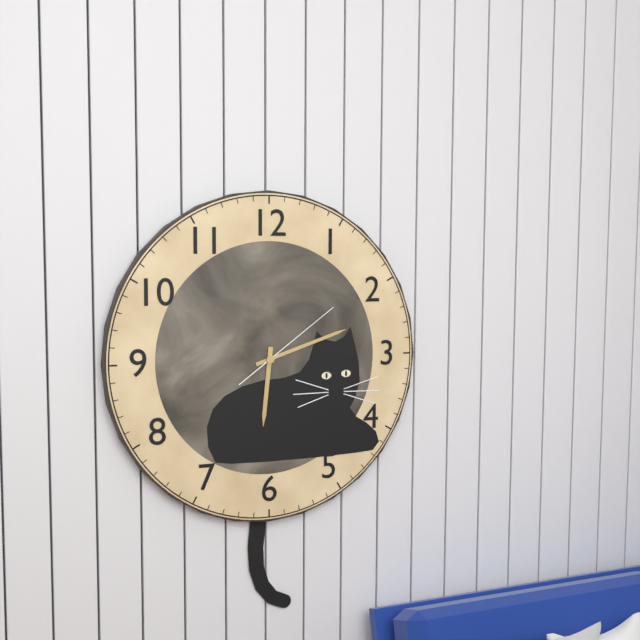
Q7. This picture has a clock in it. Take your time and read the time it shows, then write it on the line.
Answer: 6:12:09
